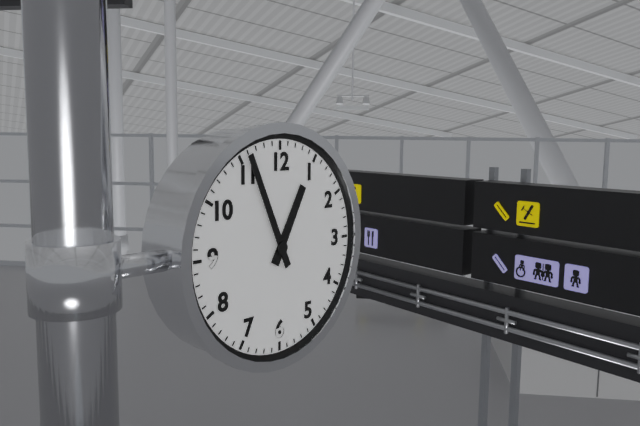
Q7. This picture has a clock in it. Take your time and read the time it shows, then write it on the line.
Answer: 12:56
